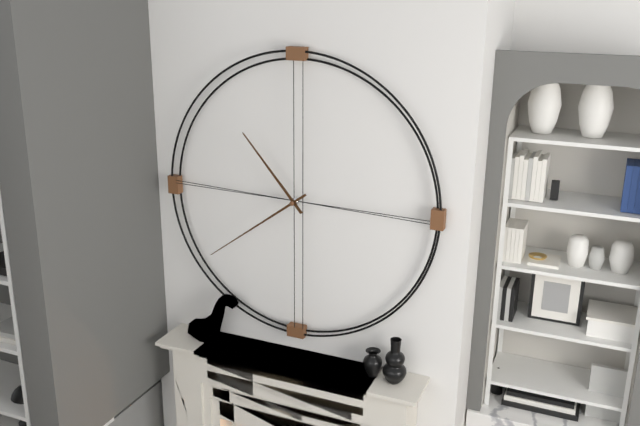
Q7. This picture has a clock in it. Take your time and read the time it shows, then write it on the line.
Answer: 10:39
